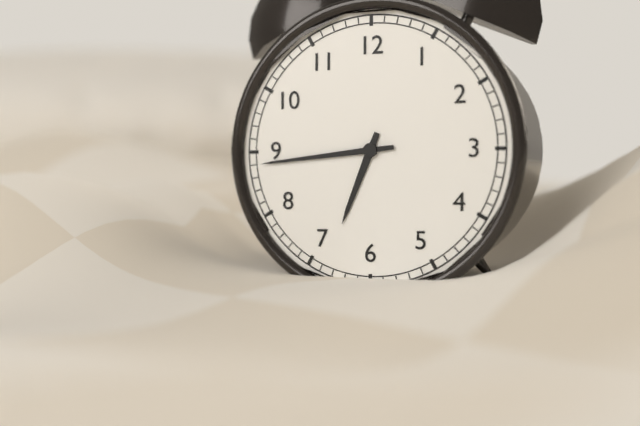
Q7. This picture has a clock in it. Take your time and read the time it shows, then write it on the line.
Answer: 6:44
